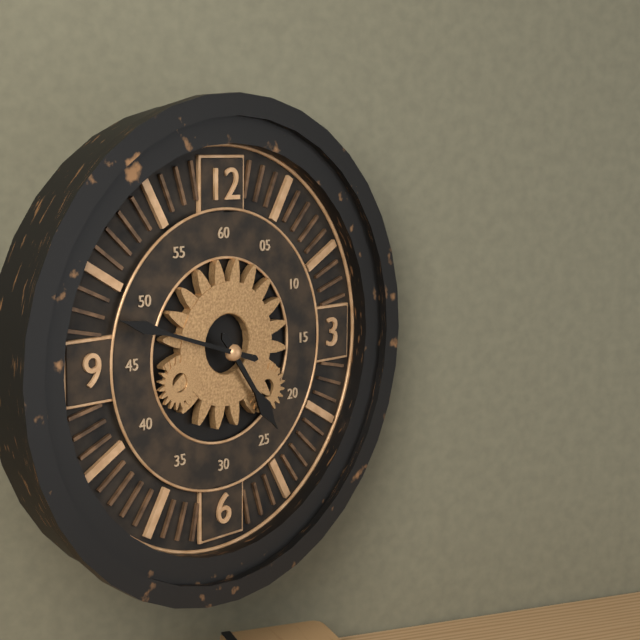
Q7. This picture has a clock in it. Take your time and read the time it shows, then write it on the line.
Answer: 4:48
